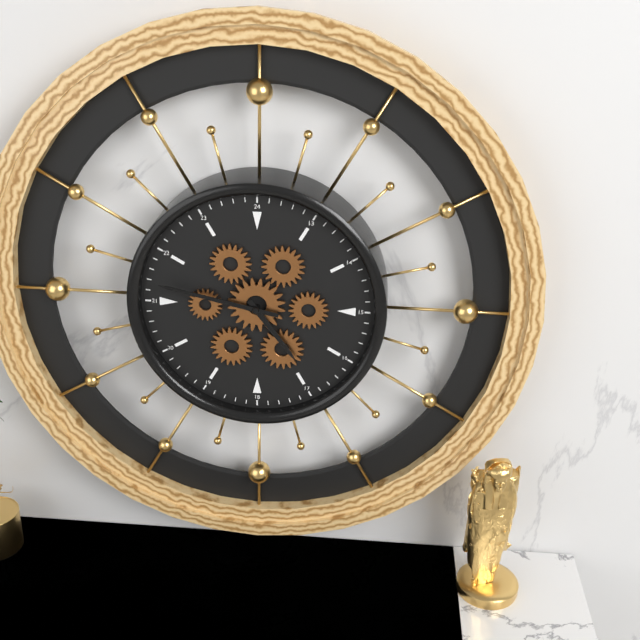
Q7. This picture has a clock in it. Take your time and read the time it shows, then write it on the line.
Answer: 4:47
